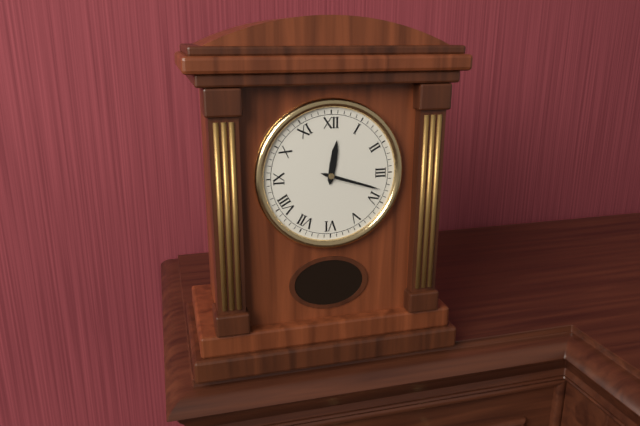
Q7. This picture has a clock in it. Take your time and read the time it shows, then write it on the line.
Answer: 12:18
